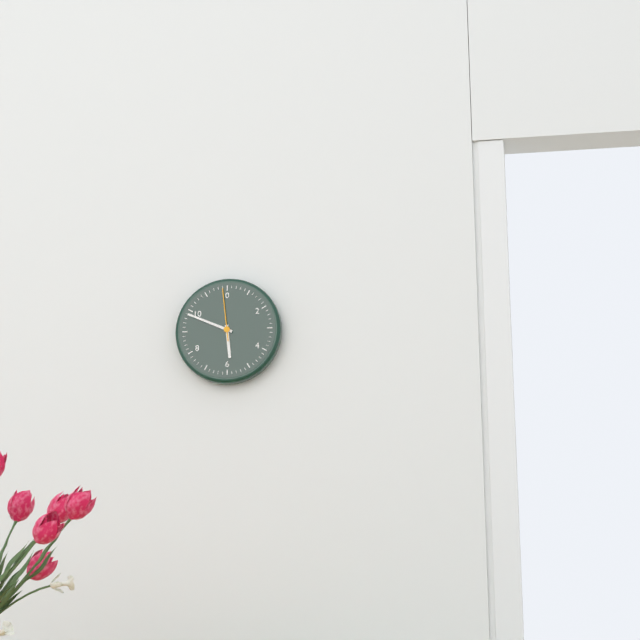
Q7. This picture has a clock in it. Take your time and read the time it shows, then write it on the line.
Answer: 5:49:59
